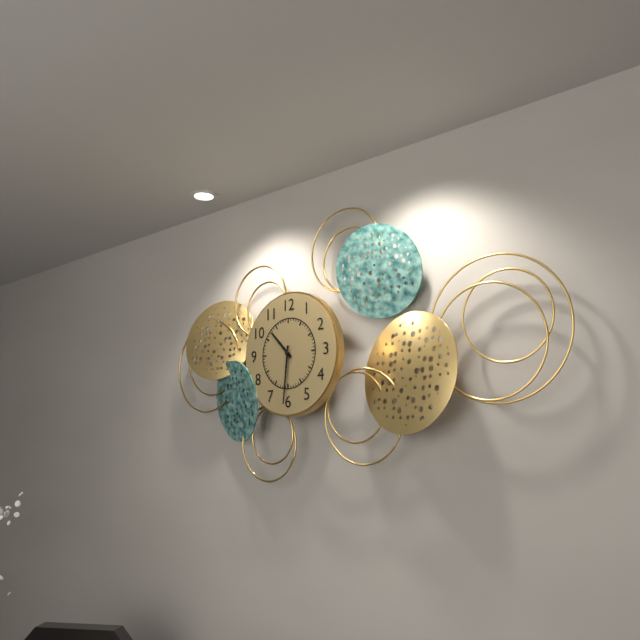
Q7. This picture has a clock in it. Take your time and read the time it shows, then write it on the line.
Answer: 10:31
